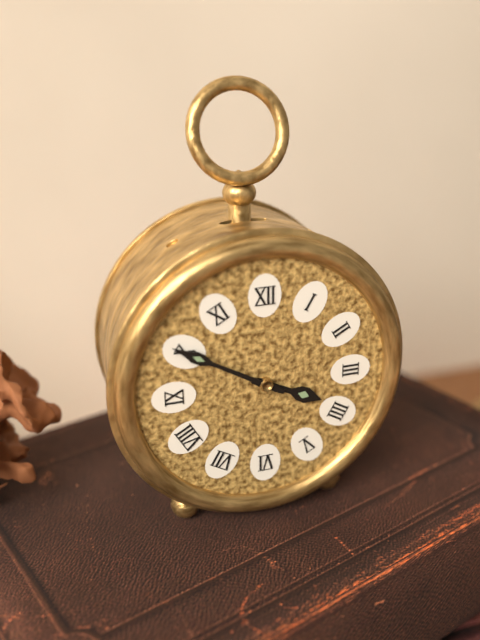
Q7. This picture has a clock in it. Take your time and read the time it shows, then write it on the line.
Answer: 3:50
